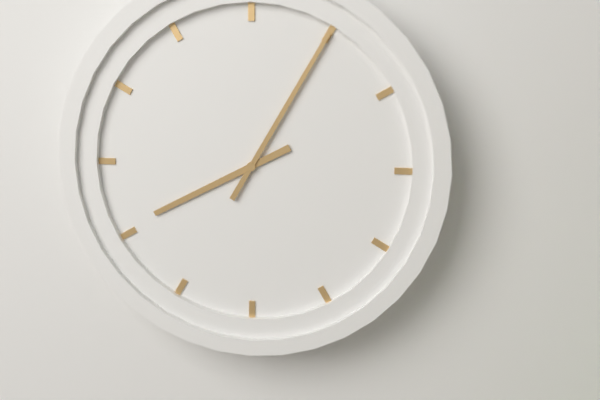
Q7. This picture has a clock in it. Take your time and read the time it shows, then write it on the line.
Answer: 8:05
